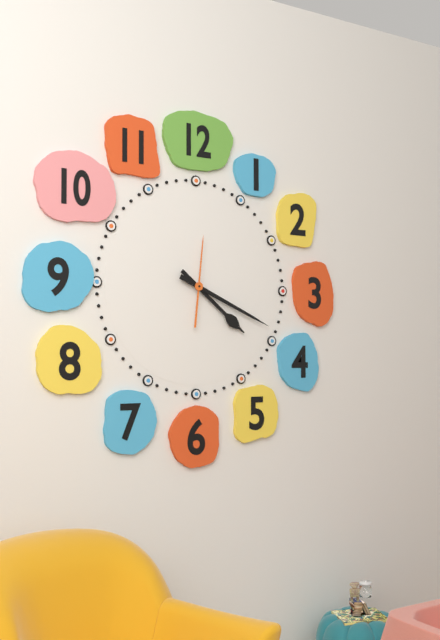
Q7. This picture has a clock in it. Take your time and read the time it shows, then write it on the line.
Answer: 4:19:01
